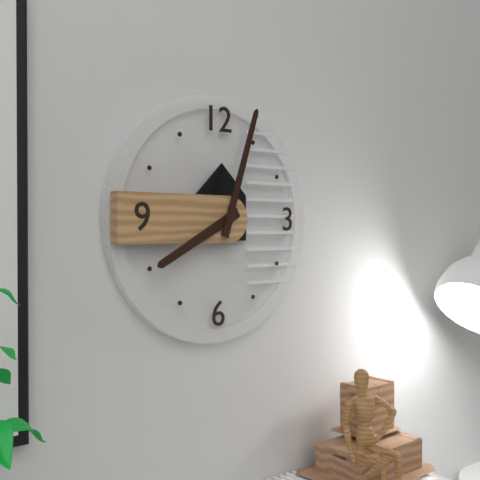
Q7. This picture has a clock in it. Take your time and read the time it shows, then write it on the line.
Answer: 8:03
